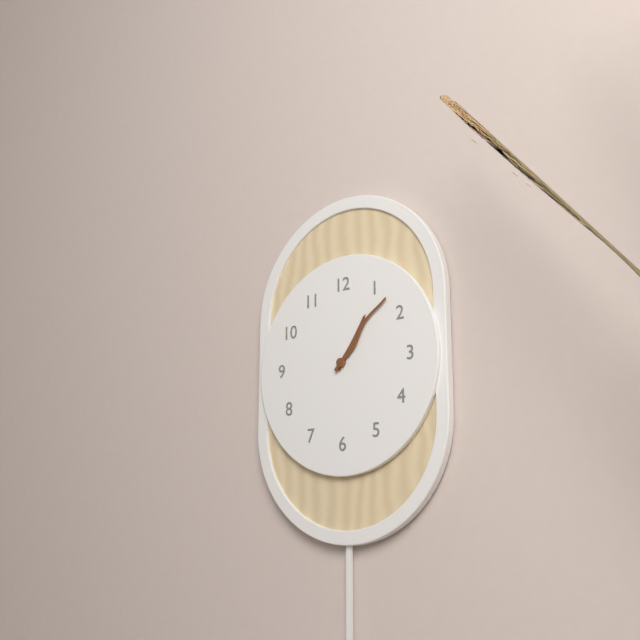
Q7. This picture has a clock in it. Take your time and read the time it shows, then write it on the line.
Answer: 1:07
